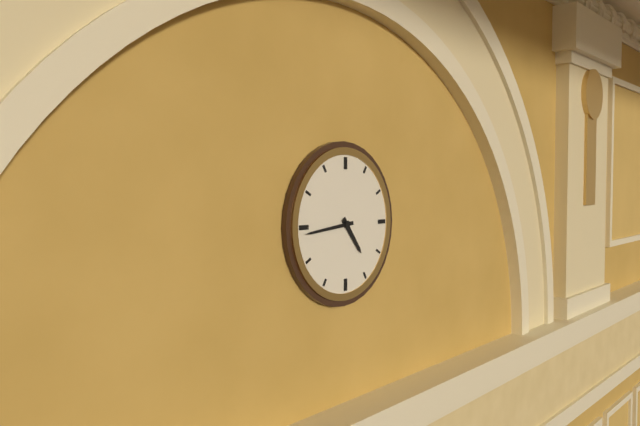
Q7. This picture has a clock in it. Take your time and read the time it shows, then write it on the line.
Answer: 4:44
